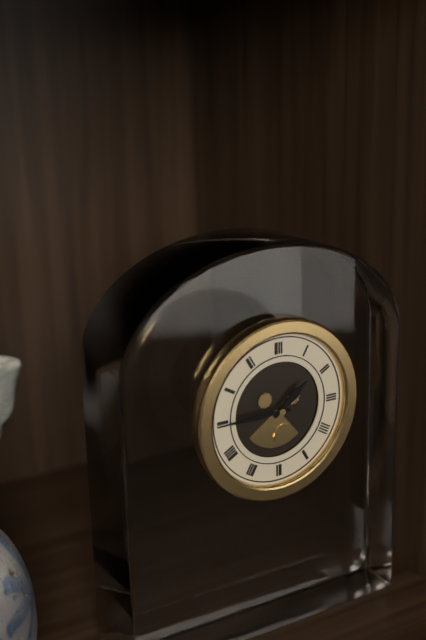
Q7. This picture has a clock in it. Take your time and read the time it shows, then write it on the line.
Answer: 1:45
